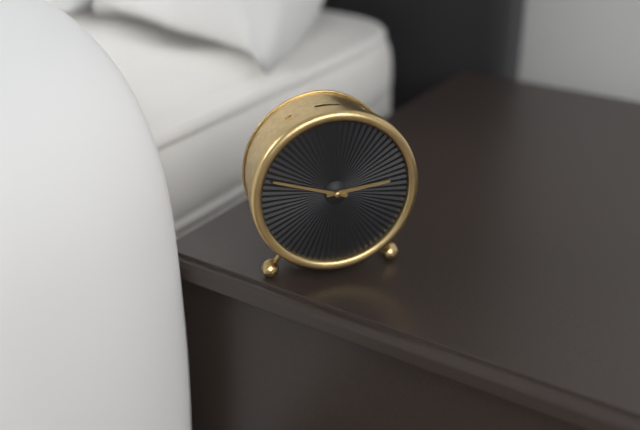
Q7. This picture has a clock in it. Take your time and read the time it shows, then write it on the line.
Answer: 2:48
